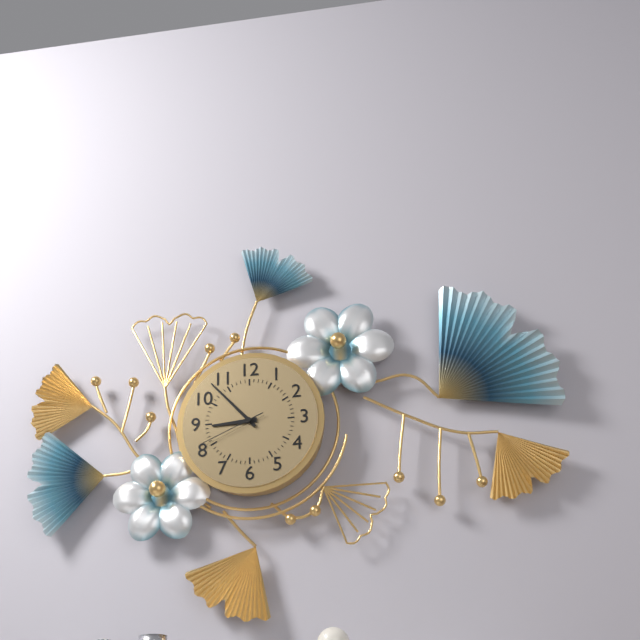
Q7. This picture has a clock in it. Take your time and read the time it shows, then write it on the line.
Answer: 8:53:41
